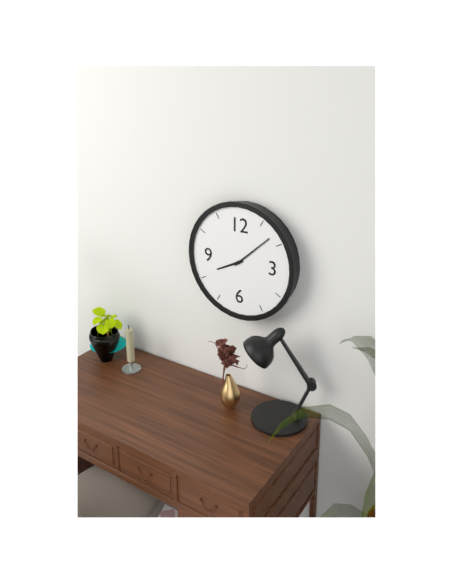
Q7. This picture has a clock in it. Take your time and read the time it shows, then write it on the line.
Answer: 8:08
